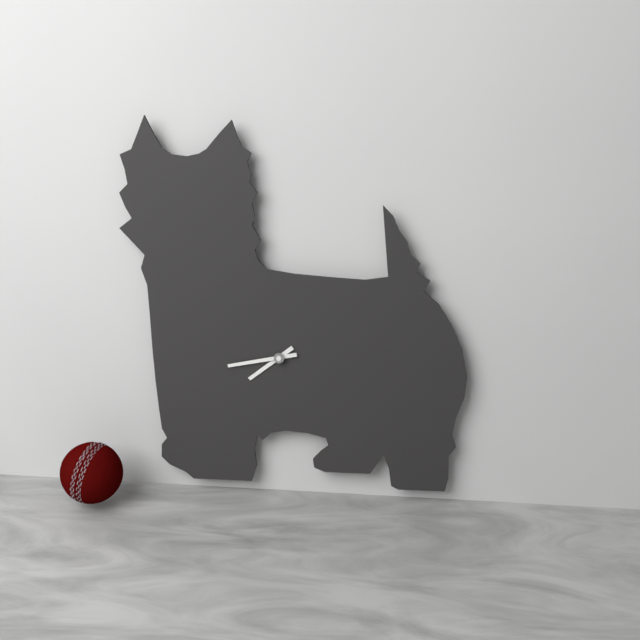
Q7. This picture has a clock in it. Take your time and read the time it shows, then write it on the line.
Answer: 7:43
